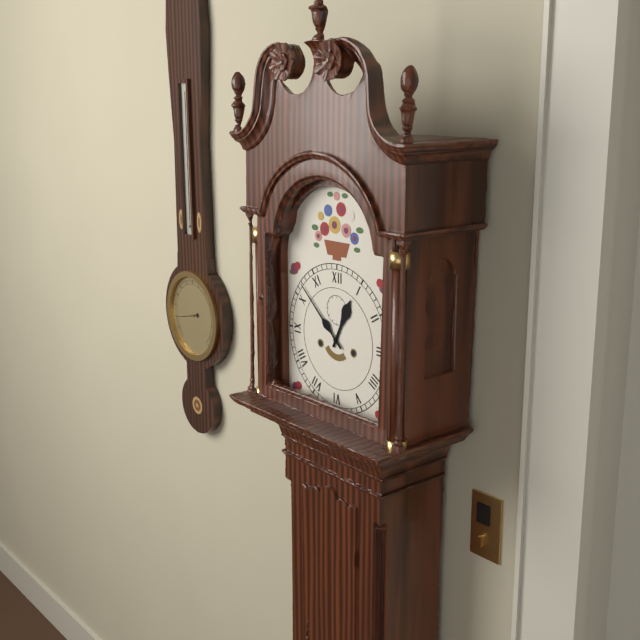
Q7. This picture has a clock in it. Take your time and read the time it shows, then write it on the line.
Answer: 12:52
